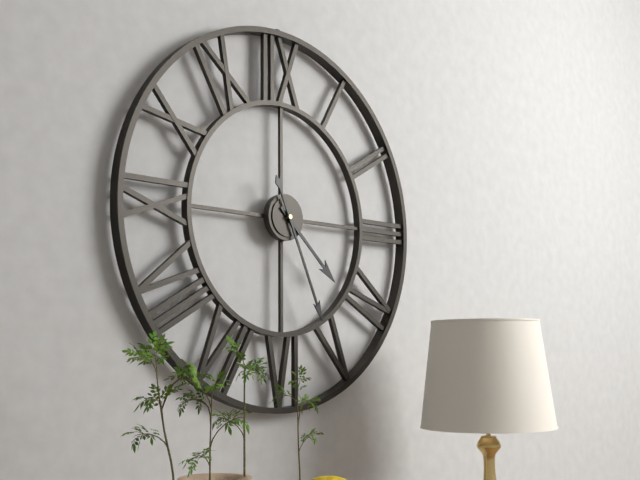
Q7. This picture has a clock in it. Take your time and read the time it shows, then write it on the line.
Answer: 4:26
